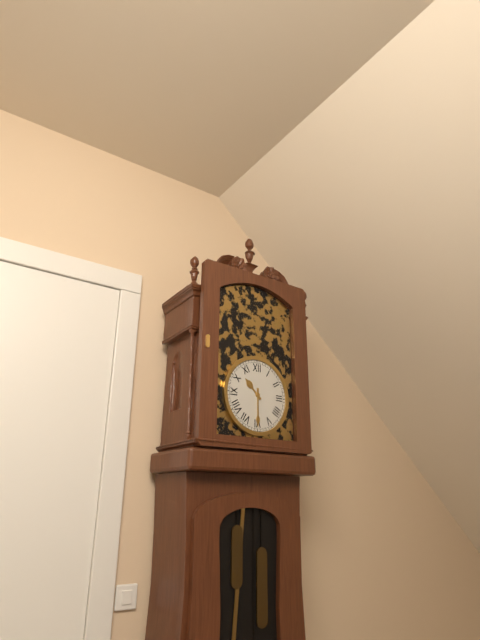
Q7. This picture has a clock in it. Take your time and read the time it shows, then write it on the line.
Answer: 10:30
